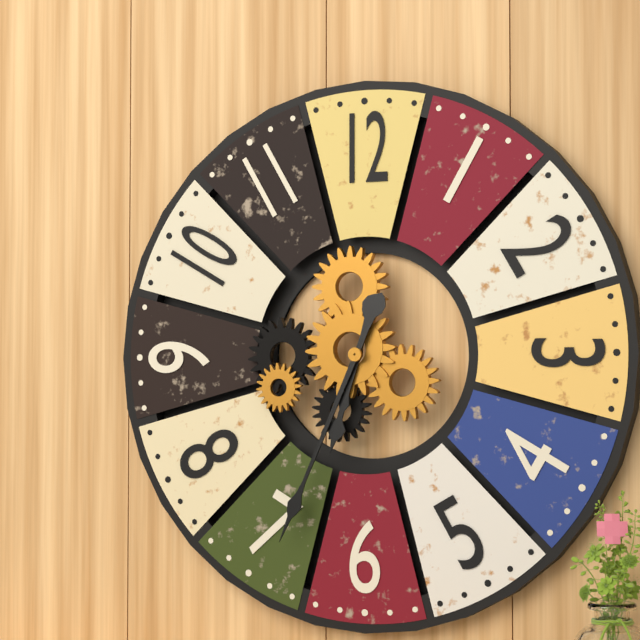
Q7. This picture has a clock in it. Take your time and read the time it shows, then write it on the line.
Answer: 6:34
